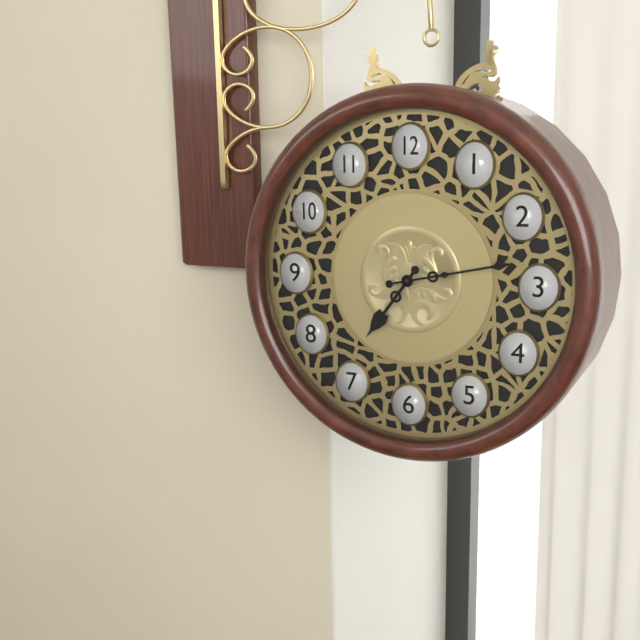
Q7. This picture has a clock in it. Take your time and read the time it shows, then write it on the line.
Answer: 7:13
